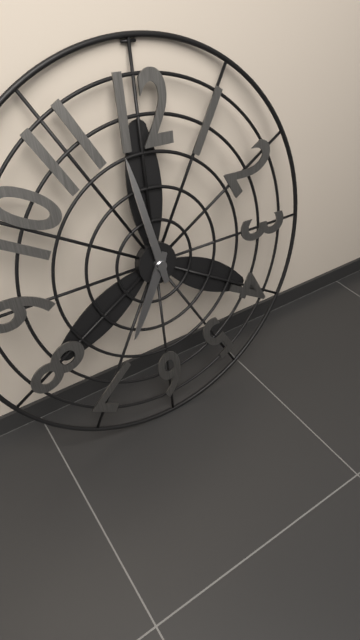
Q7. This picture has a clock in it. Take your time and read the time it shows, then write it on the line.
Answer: 6:58
